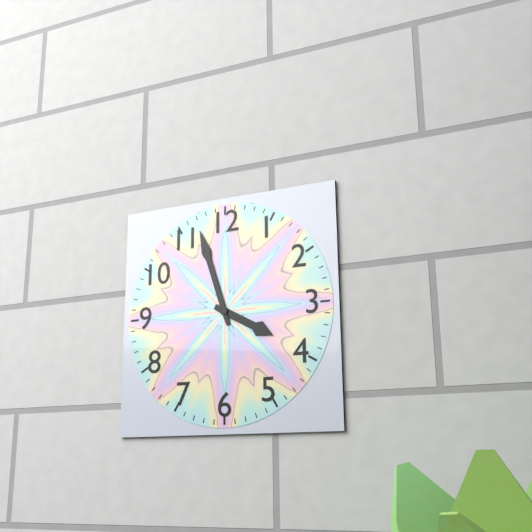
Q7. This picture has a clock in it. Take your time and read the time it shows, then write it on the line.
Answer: 3:57
